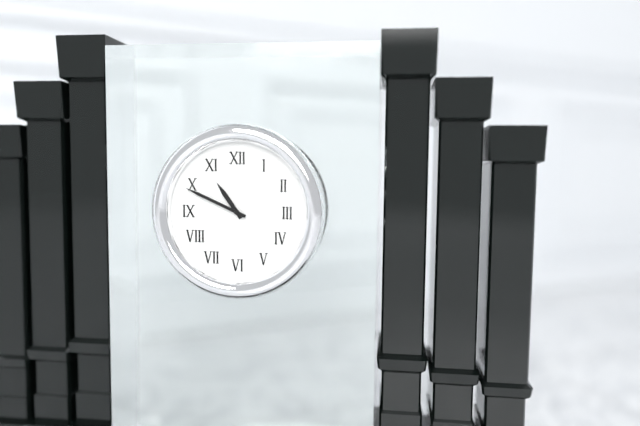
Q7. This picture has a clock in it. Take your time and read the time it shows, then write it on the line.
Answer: 10:49
